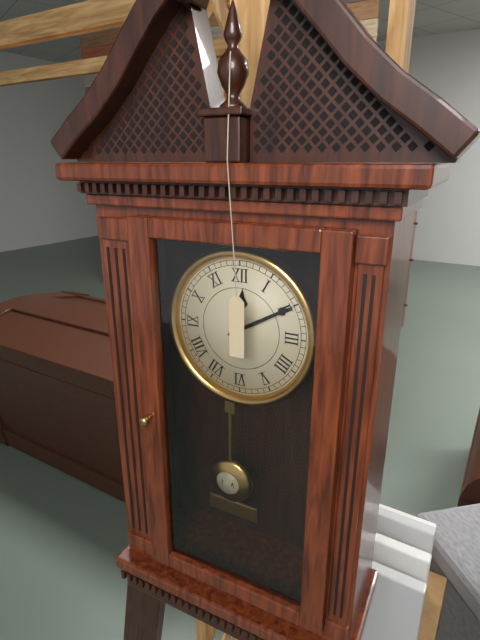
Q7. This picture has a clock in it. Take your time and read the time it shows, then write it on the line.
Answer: 12:10
